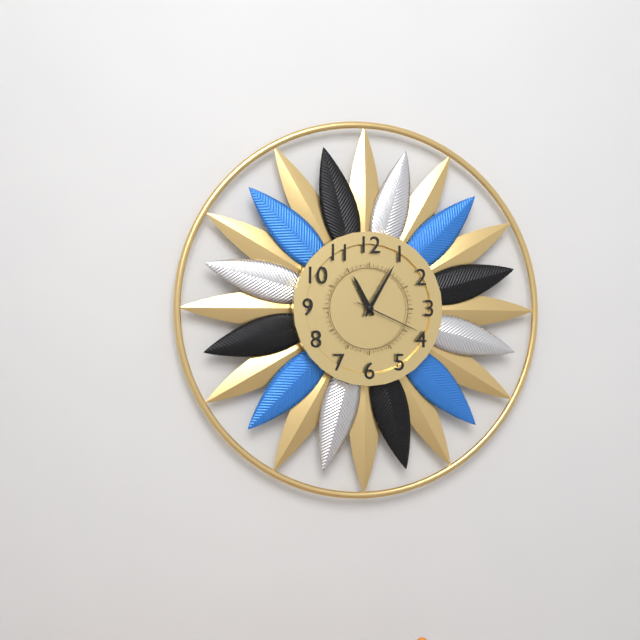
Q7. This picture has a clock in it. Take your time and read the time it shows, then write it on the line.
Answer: 11:05:19
